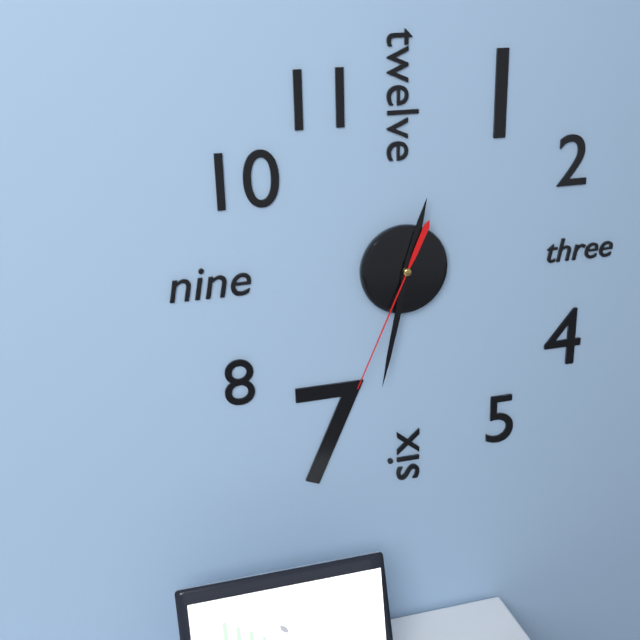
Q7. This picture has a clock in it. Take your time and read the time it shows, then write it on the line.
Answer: 12:32:34
